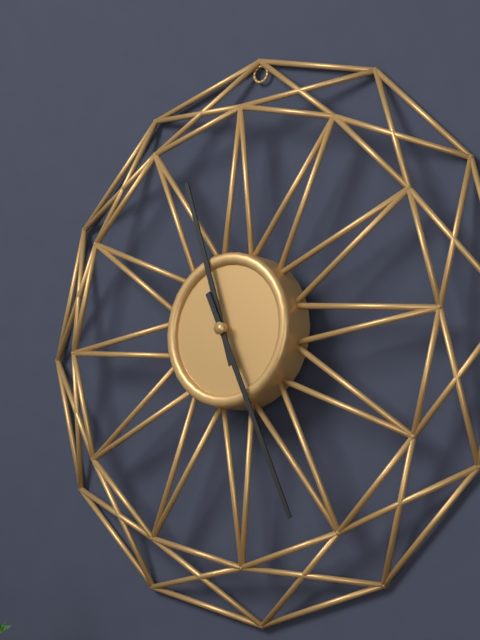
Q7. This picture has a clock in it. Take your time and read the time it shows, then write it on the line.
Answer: 11:26
